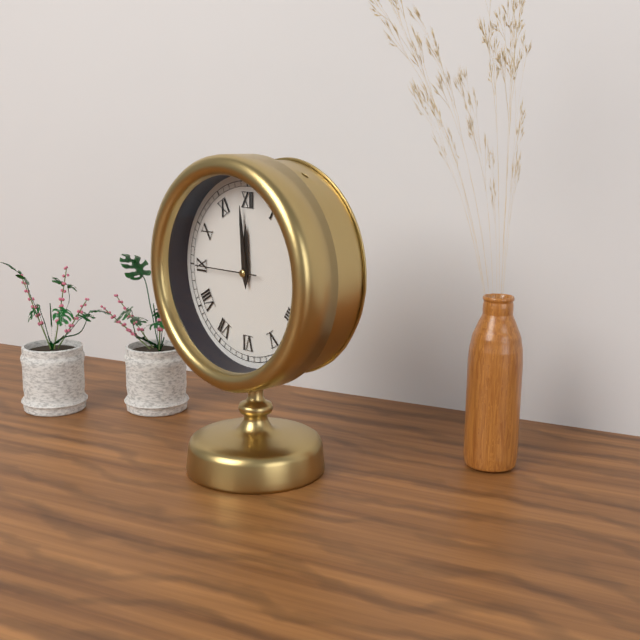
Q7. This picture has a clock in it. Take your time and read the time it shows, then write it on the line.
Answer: 11:59:45
